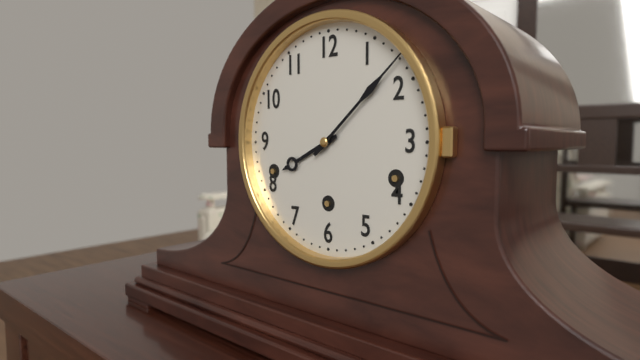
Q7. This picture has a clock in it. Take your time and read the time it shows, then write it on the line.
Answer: 8:08
